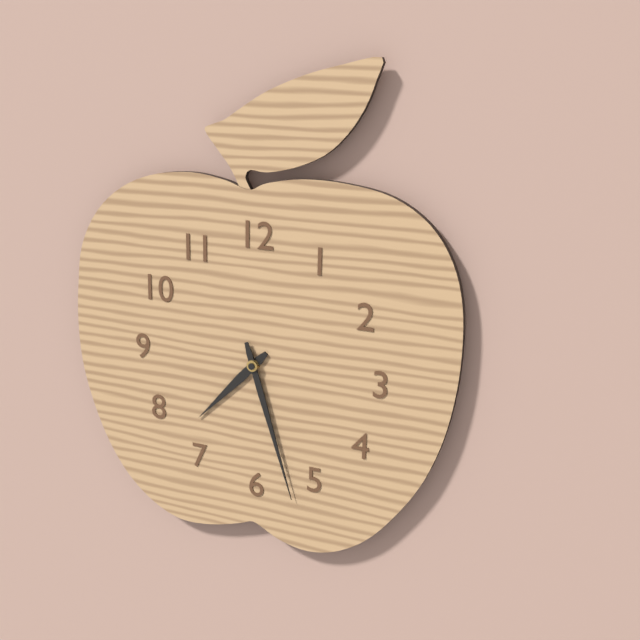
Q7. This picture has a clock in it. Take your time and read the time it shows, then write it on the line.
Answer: 7:27
